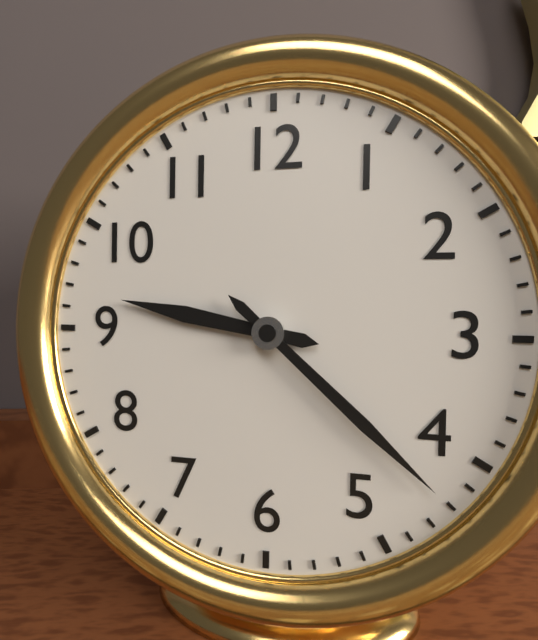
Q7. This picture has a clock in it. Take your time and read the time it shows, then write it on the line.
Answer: 9:22
